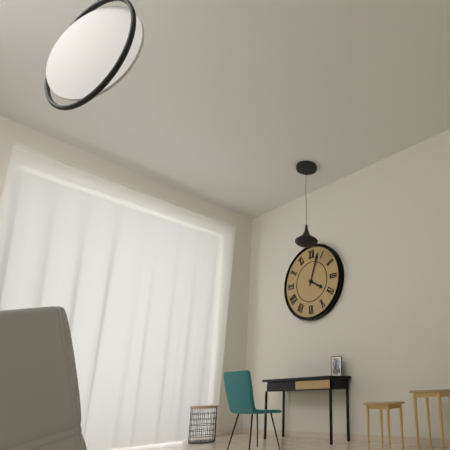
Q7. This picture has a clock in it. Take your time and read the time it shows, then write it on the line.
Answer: 4:03
